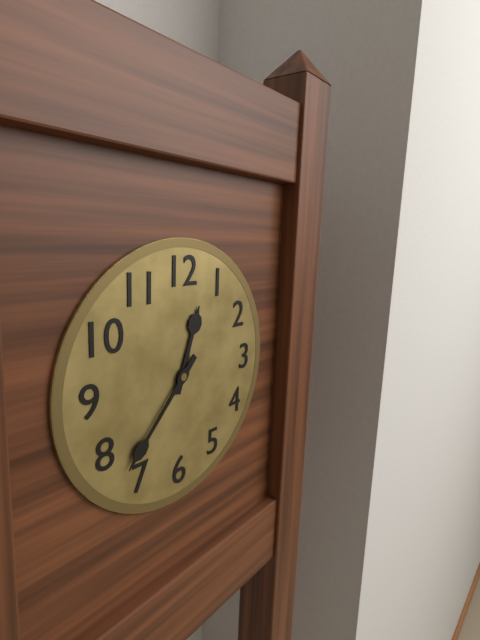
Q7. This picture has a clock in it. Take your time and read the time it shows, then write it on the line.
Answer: 12:37
